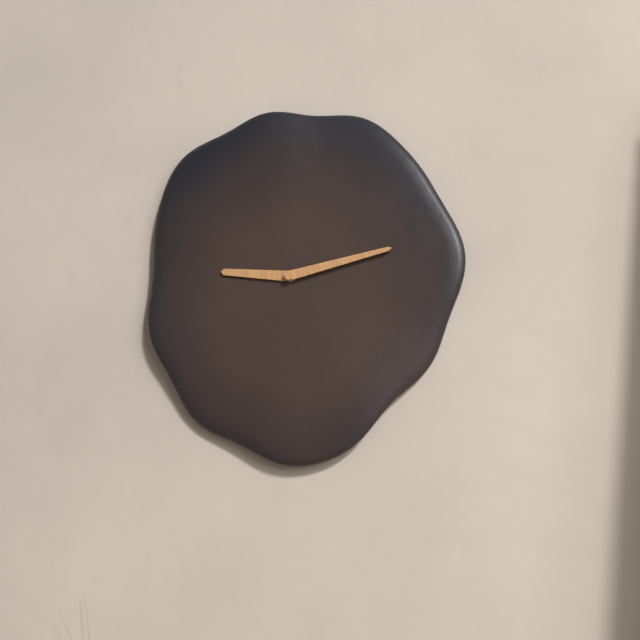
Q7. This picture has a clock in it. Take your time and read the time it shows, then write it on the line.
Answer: 9:13
